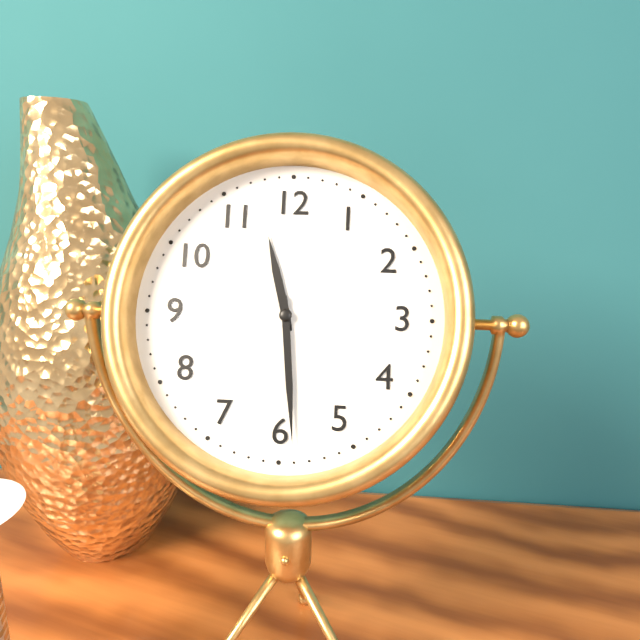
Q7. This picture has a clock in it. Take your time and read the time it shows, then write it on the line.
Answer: 11:29
